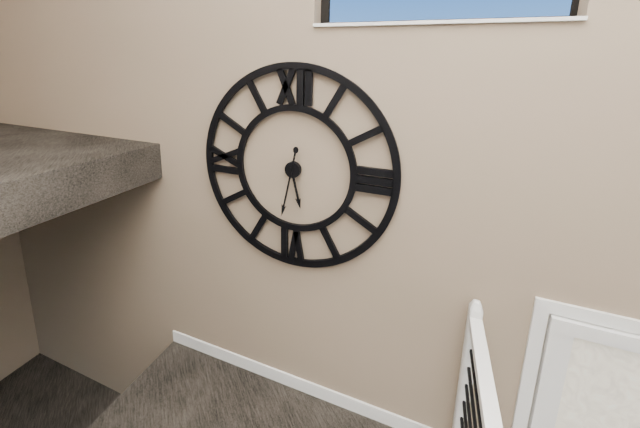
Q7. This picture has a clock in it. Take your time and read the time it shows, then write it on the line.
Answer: 5:32
